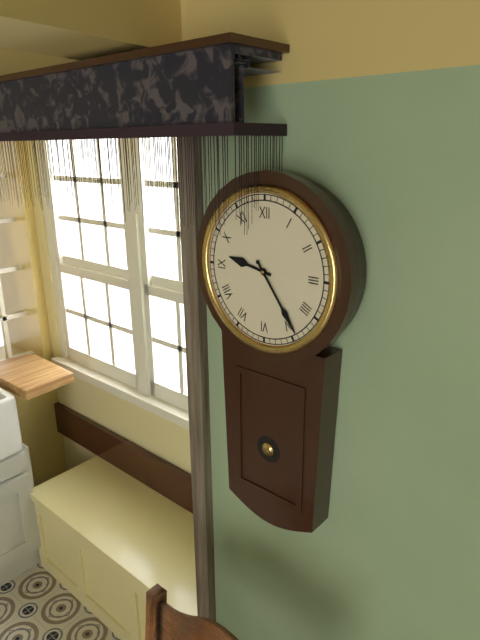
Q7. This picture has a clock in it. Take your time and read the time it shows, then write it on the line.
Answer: 9:24
